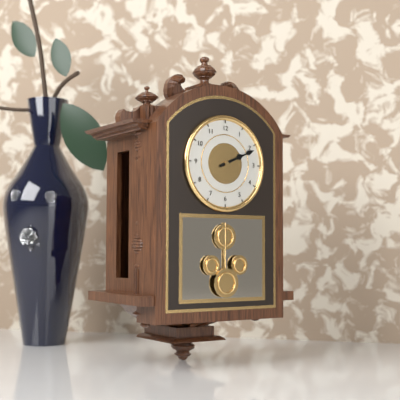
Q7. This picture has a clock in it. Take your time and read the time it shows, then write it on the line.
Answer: 2:11
